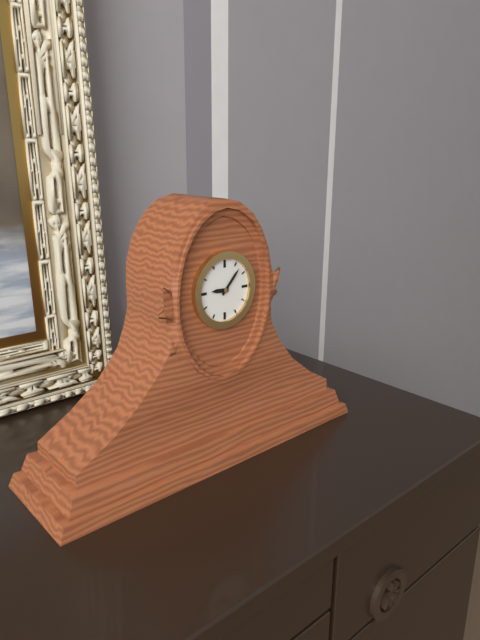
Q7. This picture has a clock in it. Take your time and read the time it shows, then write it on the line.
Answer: 9:07
